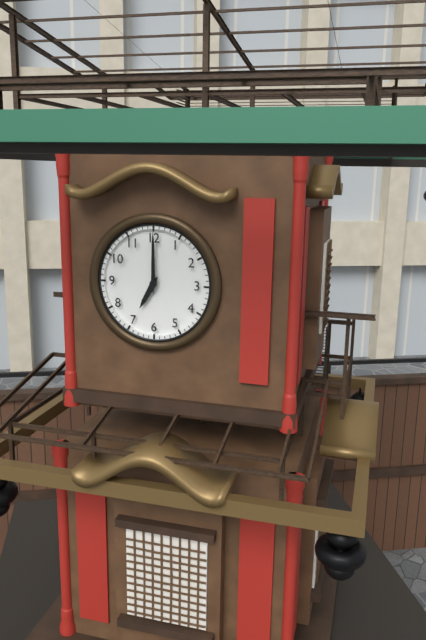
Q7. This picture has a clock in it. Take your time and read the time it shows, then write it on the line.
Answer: 7:00
